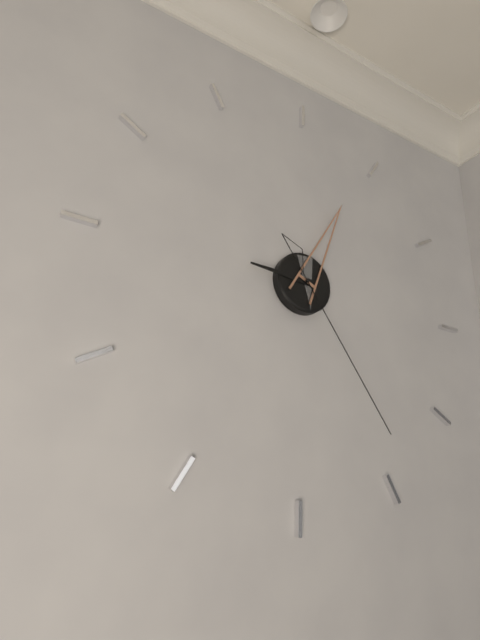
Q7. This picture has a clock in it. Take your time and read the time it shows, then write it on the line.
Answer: 9:04:24
